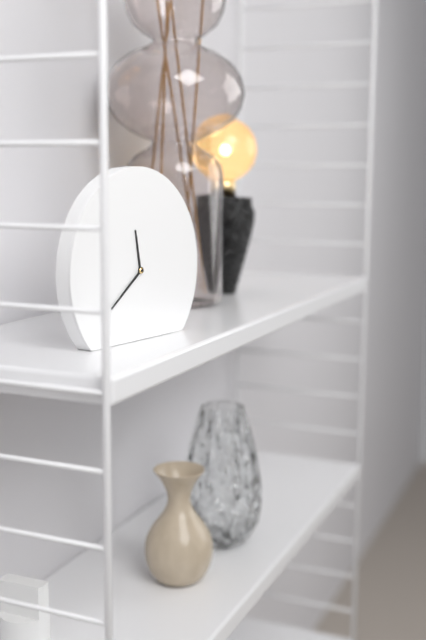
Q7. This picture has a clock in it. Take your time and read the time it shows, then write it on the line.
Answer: 11:39
